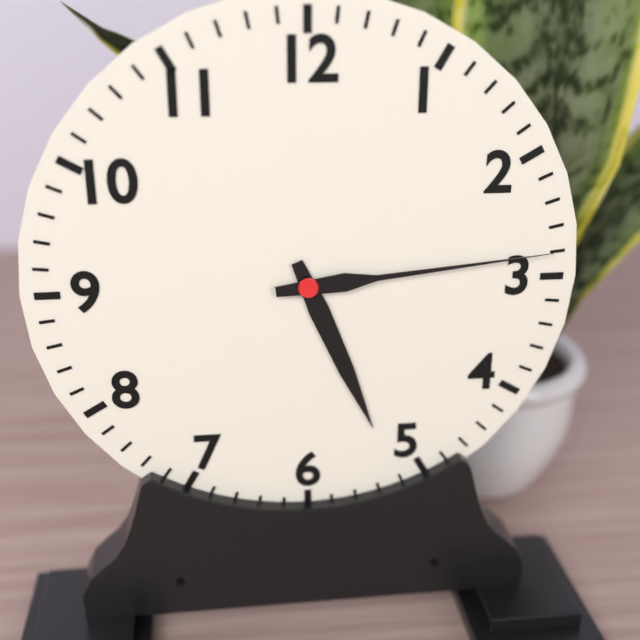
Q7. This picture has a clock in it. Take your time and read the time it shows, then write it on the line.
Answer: 5:14
